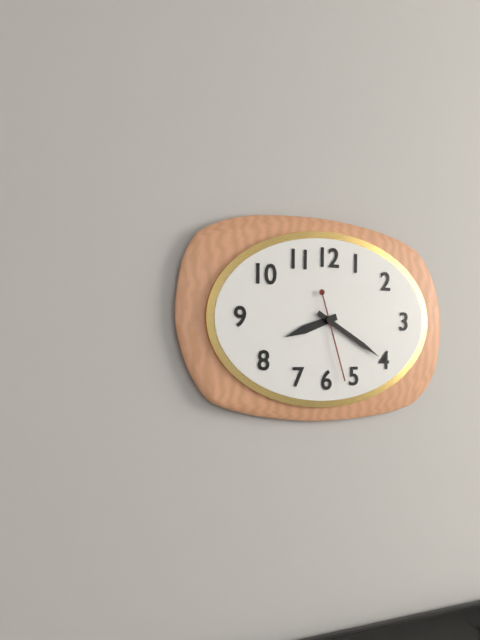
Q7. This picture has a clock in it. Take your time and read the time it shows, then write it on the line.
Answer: 8:20:27
